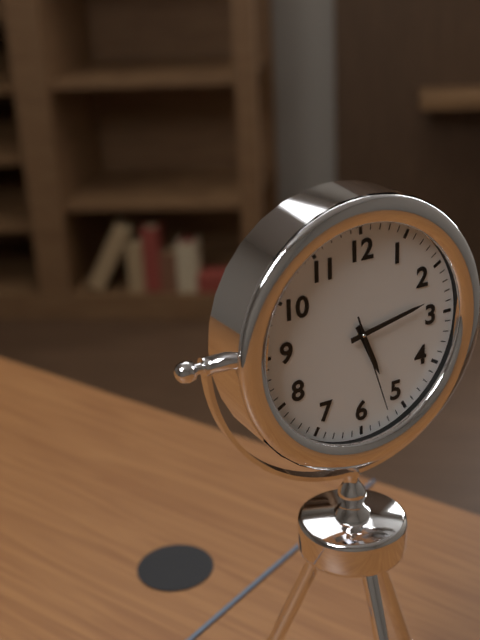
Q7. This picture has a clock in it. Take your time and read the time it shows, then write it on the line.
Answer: 5:13:27
